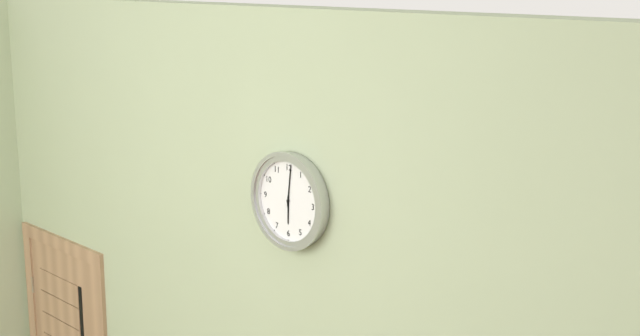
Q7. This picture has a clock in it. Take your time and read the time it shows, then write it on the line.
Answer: 6:01
